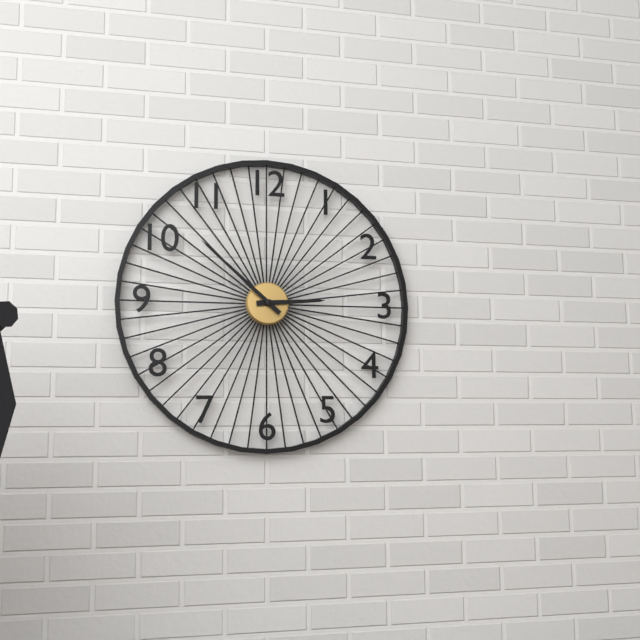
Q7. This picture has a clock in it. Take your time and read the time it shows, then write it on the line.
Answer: 2:52
